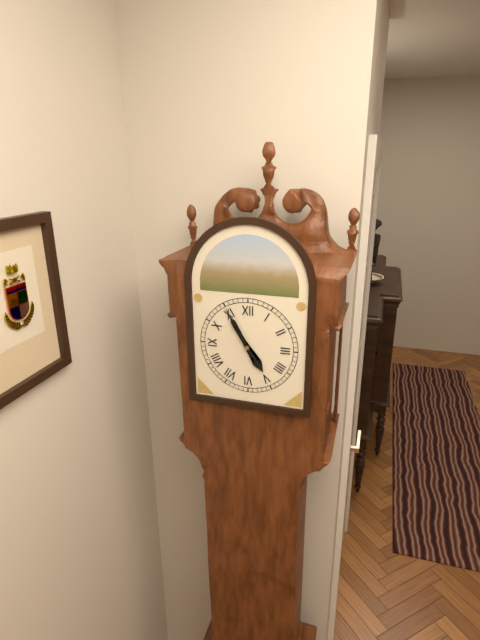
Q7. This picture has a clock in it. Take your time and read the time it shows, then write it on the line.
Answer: 4:55
